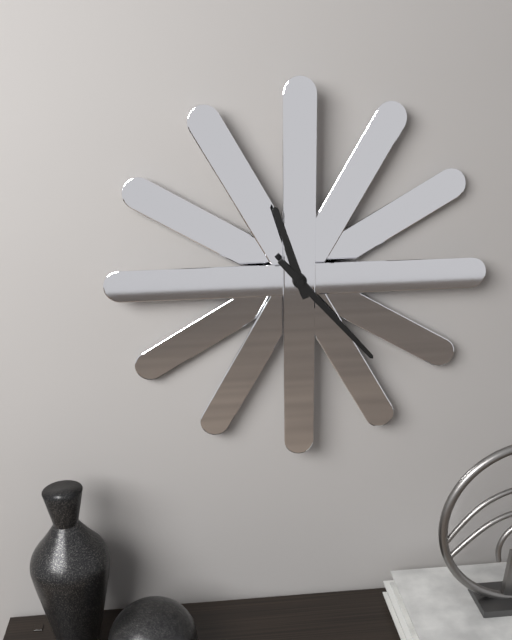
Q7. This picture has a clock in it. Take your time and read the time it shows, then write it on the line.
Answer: 11:23
